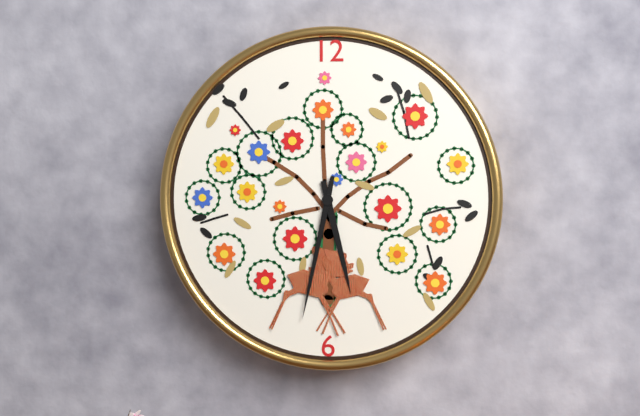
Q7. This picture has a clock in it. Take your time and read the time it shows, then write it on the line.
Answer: 5:32
